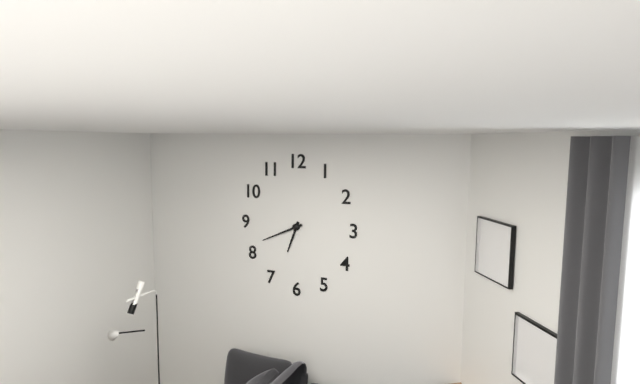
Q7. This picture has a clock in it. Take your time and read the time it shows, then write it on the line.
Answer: 6:41
